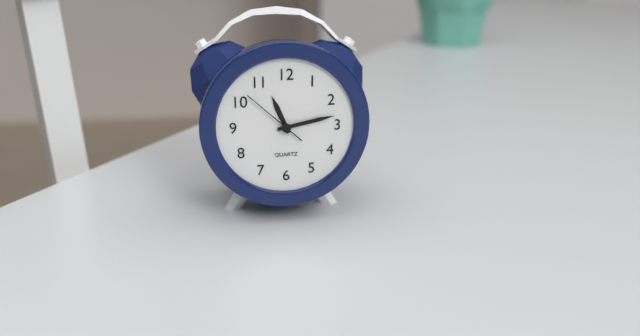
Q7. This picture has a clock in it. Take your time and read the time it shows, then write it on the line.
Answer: 11:13:52
